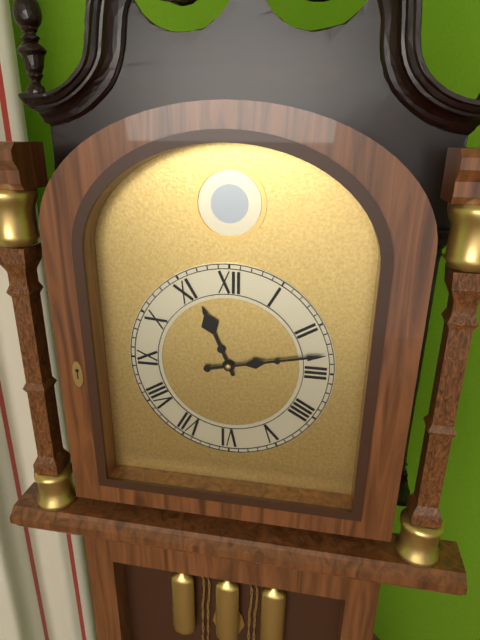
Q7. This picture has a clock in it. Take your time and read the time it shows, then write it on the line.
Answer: 11:13
